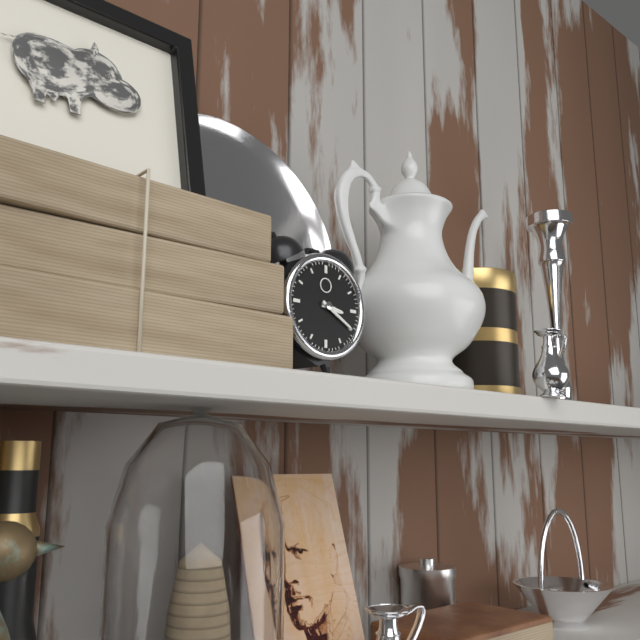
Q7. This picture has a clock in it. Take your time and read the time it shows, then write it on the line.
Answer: 3:20
